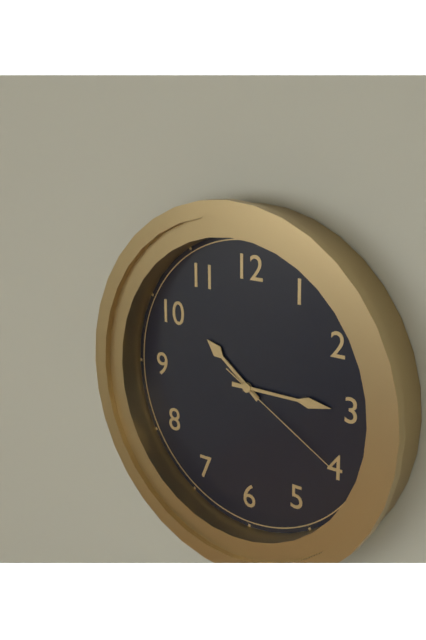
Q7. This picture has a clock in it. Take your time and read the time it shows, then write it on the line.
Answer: 10:15:20
